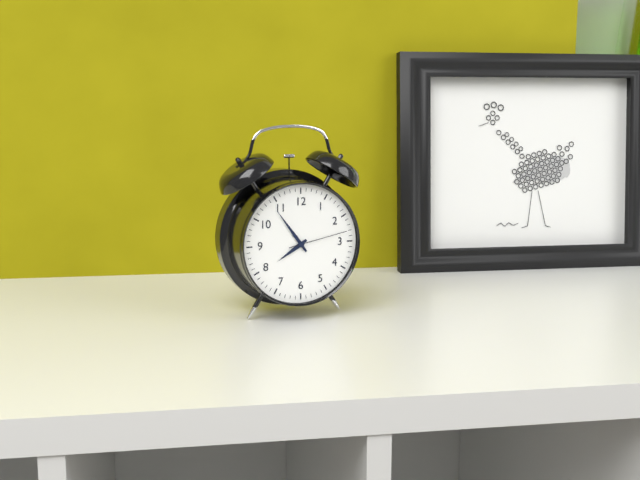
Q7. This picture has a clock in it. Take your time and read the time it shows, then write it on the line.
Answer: 7:54:13
